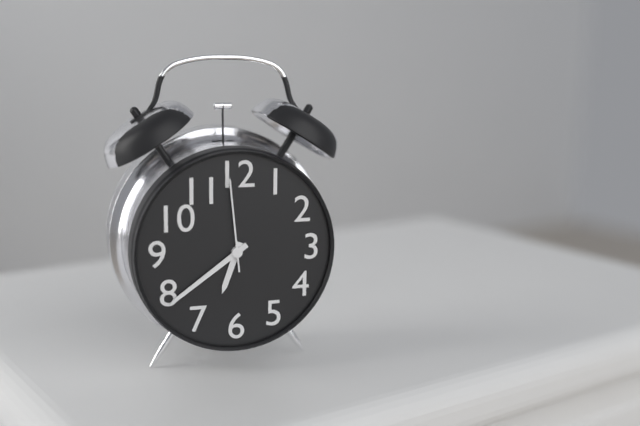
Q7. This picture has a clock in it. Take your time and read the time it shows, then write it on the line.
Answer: 6:39:59
